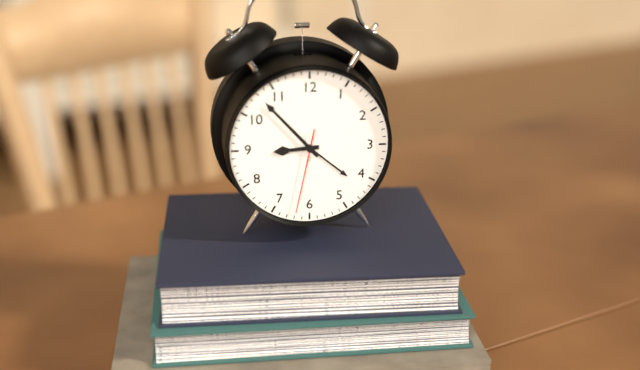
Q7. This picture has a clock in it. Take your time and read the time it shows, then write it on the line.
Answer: 8:53:32
